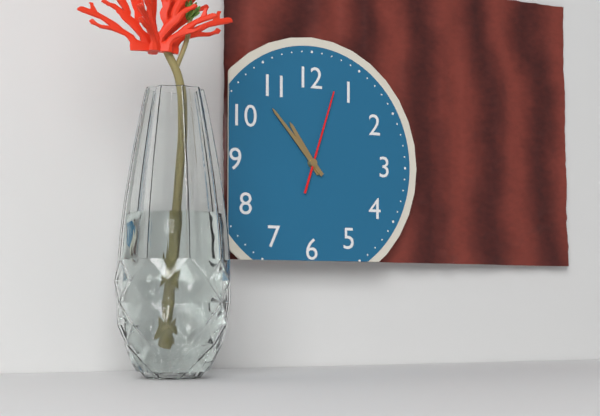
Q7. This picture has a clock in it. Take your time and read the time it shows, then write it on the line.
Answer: 10:53:03
